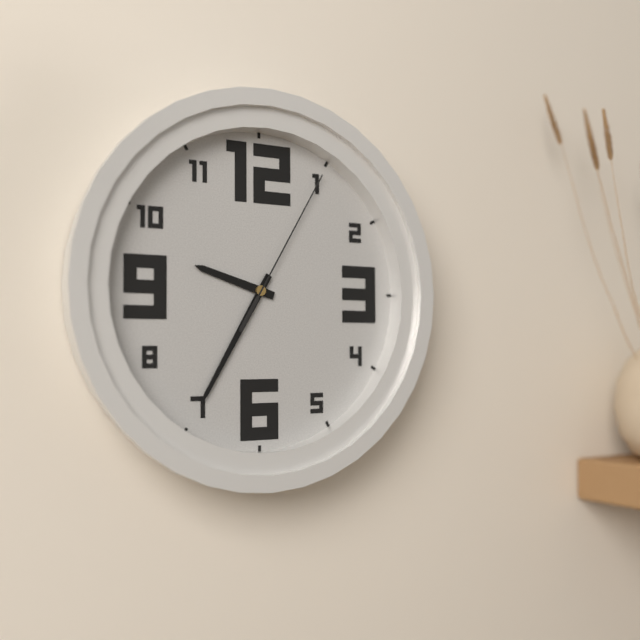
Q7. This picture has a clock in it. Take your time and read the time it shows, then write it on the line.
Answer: 9:35:05
